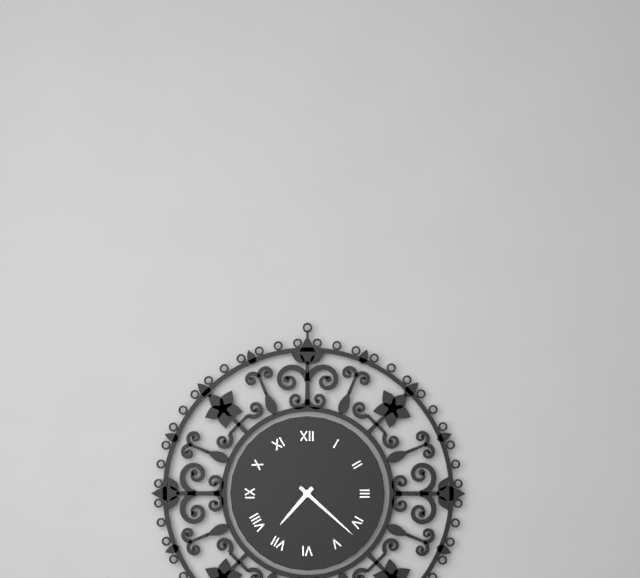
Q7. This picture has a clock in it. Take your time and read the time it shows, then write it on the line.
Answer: 7:22
